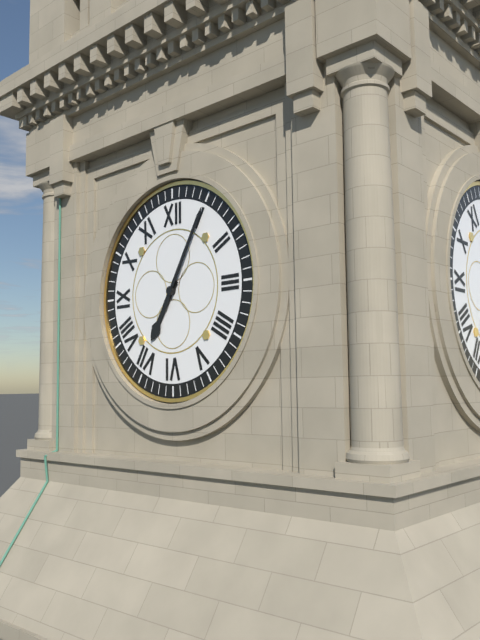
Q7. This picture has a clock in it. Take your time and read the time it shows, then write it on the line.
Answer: 7:05
